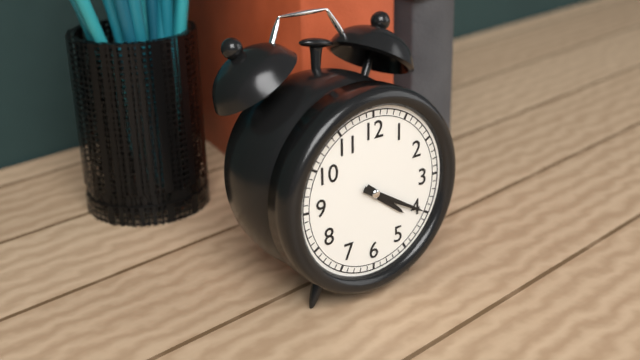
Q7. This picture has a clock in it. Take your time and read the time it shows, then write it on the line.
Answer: 4:20
